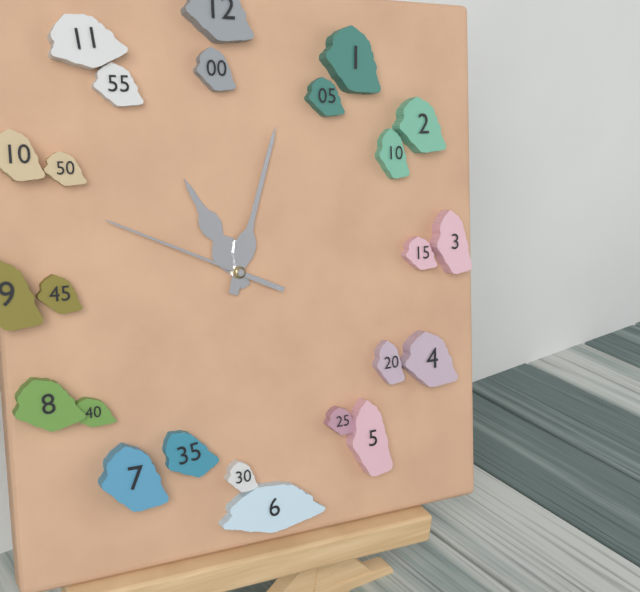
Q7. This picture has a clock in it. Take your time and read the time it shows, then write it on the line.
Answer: 11:03:49
